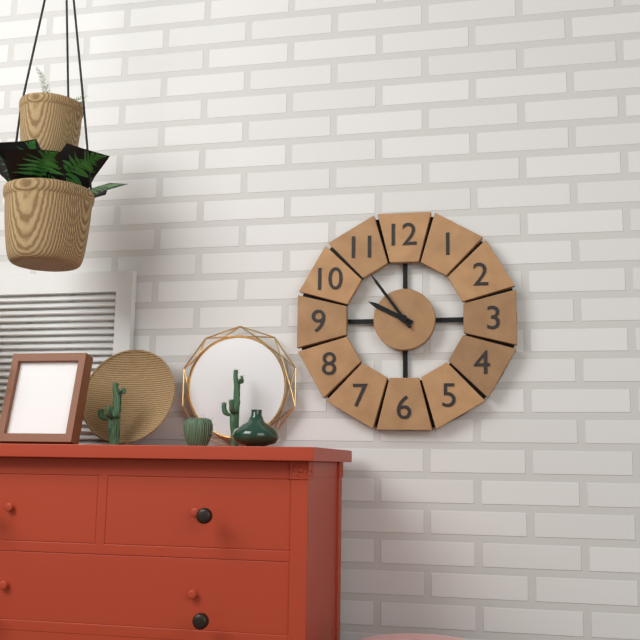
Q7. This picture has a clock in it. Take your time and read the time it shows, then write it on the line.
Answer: 9:54
